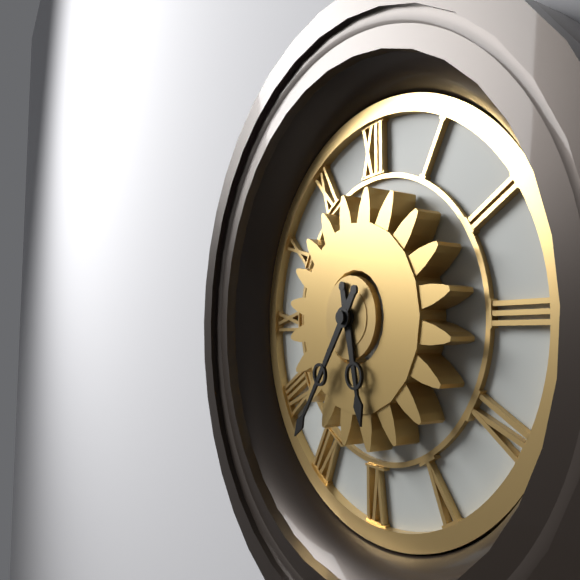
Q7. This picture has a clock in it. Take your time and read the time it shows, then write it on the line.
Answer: 5:36
